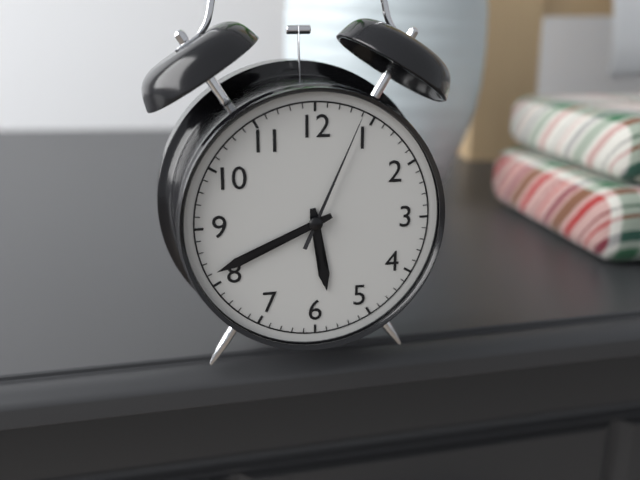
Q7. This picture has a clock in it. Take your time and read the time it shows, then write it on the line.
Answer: 5:41:04
